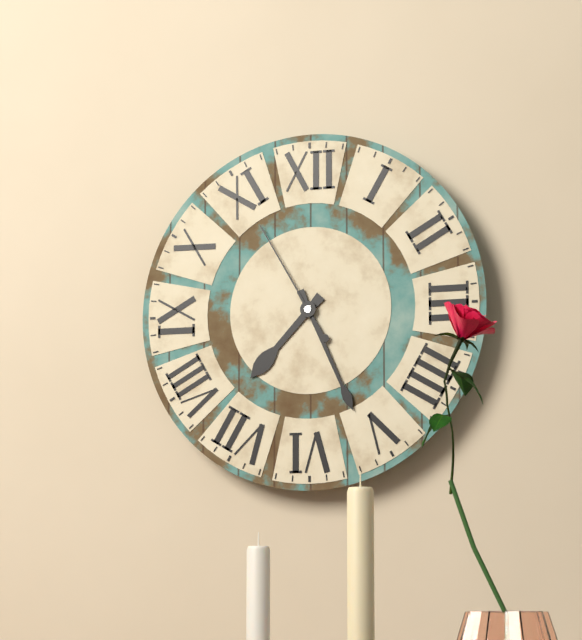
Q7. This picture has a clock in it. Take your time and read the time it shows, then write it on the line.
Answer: 7:26:55
